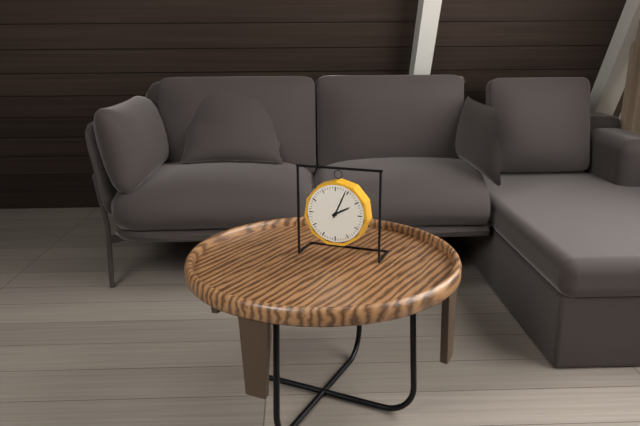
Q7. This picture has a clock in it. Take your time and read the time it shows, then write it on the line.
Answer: 2:04
